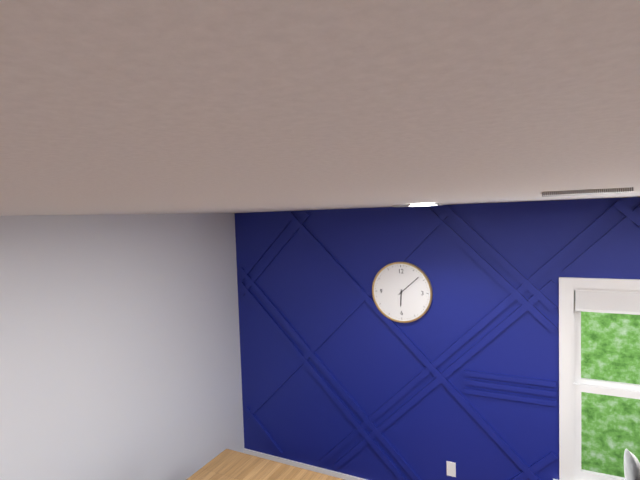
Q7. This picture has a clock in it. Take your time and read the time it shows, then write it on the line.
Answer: 6:08
